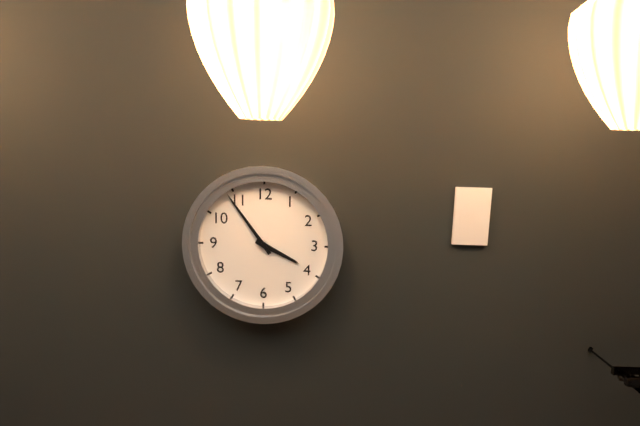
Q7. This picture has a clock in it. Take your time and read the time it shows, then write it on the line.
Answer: 3:54
